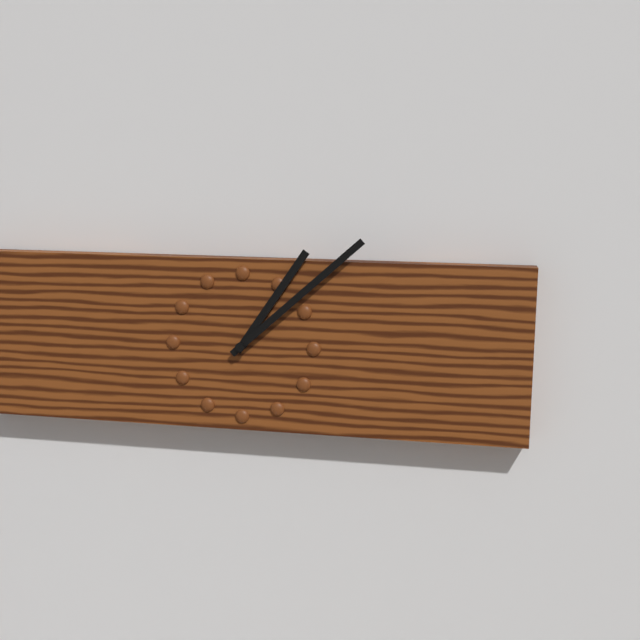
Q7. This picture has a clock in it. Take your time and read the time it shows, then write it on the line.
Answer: 1:08
